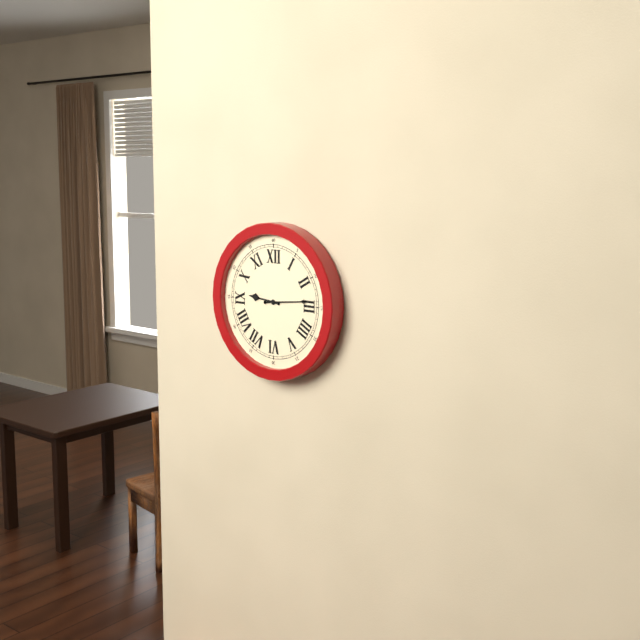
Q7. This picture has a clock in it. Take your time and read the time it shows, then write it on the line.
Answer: 9:14
